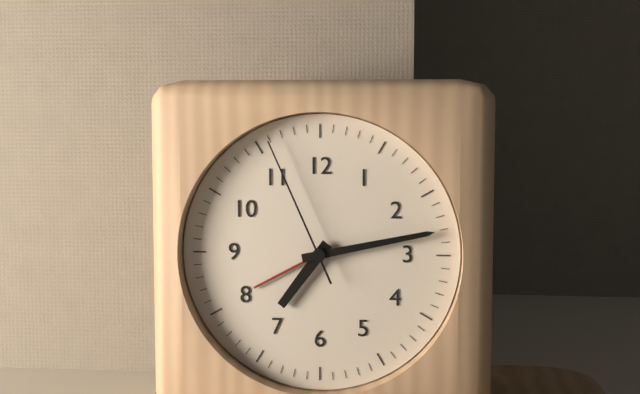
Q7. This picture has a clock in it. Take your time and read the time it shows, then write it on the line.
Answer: 7:13:56
